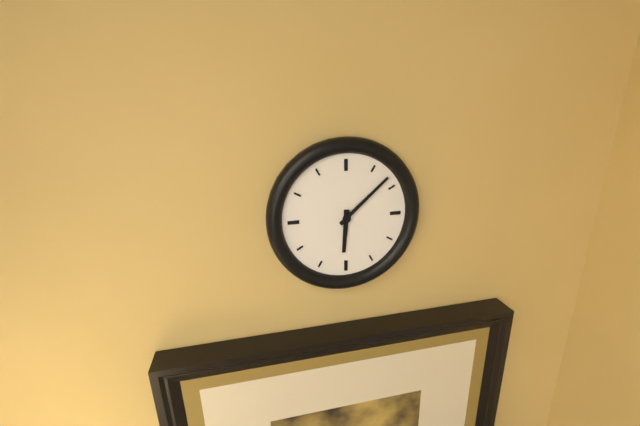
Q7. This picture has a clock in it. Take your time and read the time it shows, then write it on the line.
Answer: 6:08
